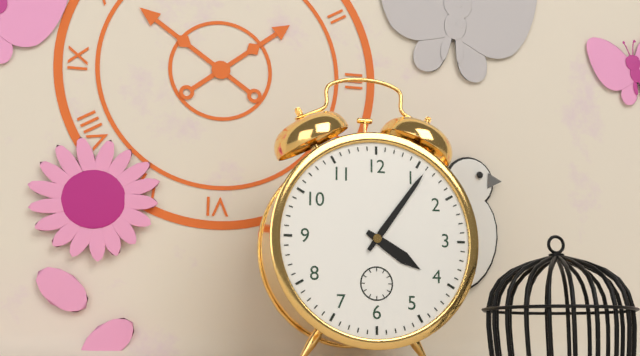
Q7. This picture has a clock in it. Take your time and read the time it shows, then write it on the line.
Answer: 4:06
